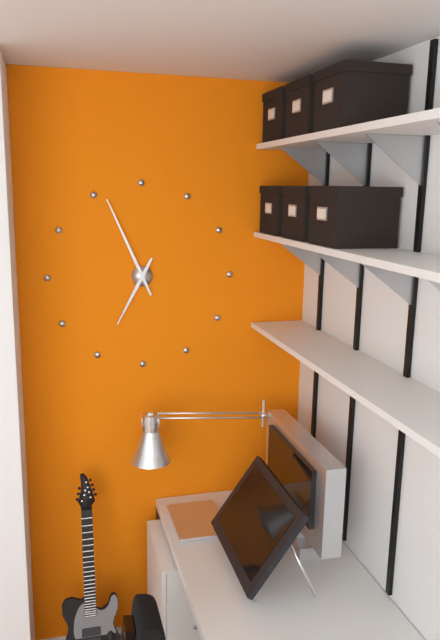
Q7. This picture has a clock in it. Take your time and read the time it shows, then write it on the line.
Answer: 6:56
